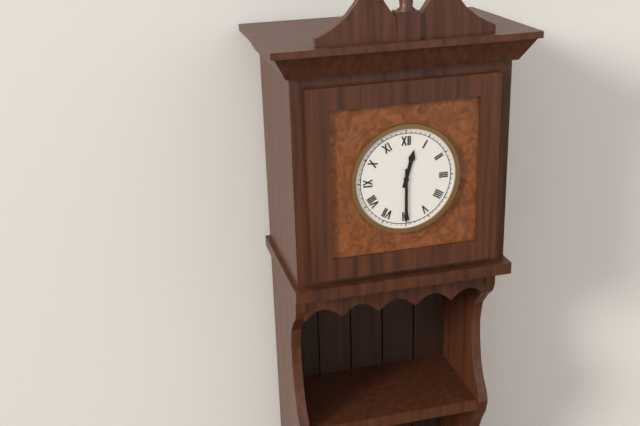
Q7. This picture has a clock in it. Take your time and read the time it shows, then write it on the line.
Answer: 12:30
